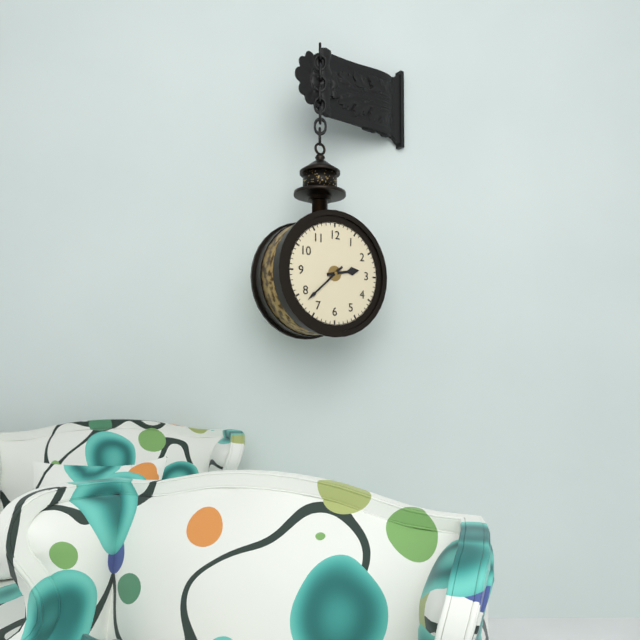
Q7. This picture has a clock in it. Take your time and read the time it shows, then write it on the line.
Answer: 2:38
